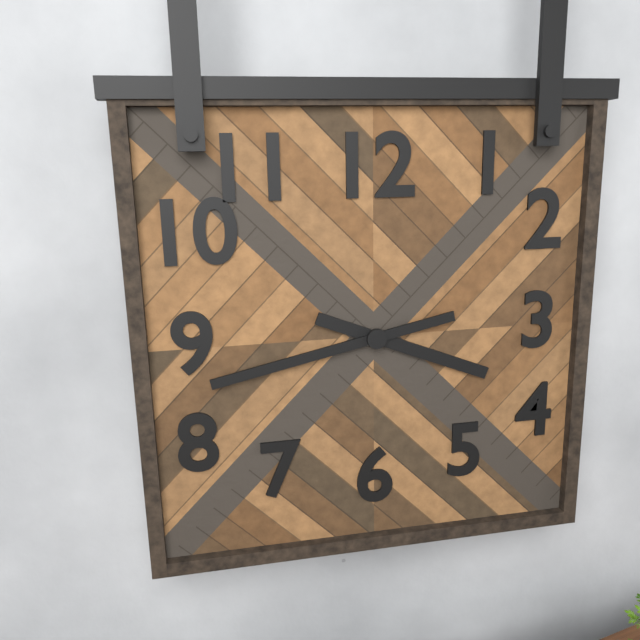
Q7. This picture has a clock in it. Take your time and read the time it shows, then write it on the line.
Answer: 3:43
